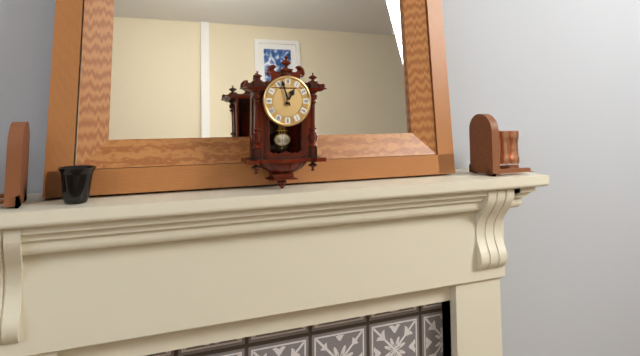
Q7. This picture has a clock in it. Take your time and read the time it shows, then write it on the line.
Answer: 12:57
